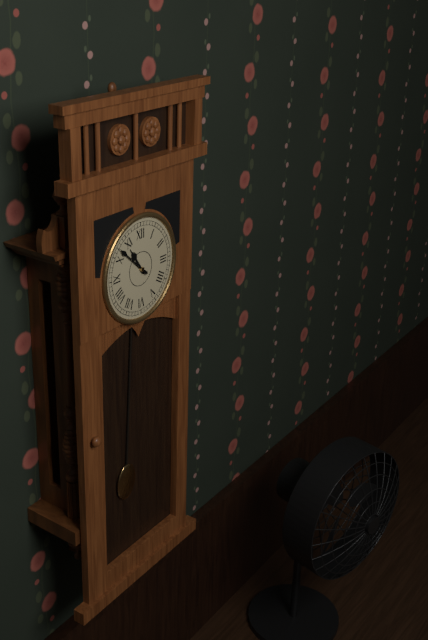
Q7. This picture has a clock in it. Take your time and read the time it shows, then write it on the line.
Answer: 10:52
